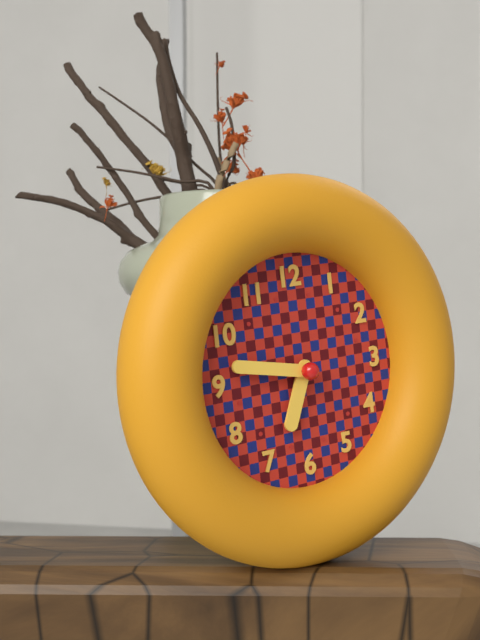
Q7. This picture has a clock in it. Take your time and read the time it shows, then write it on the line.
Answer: 6:47
